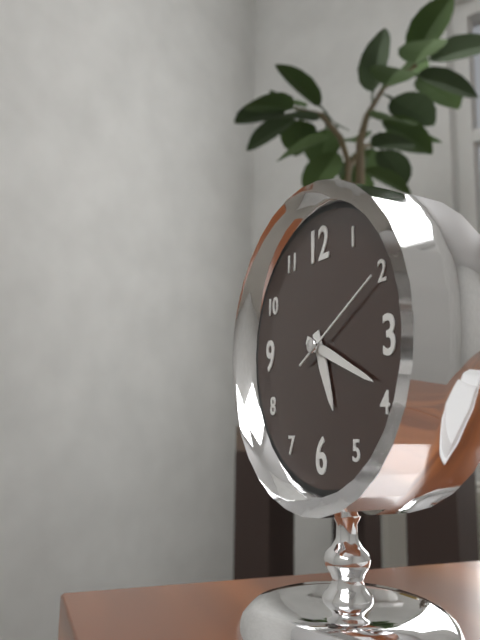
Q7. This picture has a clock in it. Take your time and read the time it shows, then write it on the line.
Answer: 5:19:10
